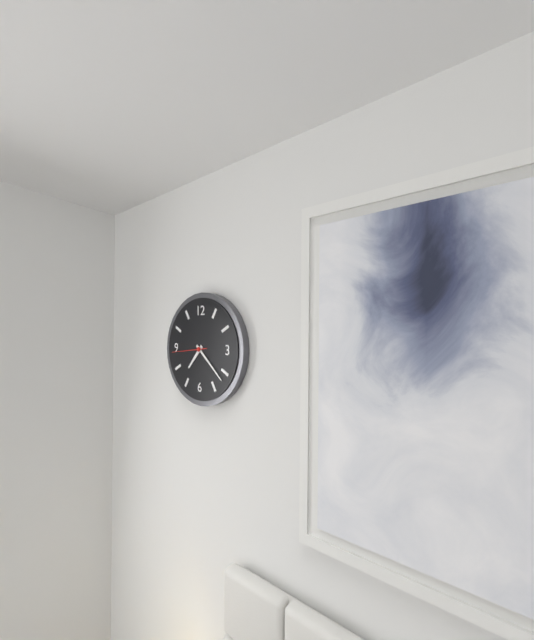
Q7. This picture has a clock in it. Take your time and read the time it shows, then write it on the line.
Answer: 7:22
